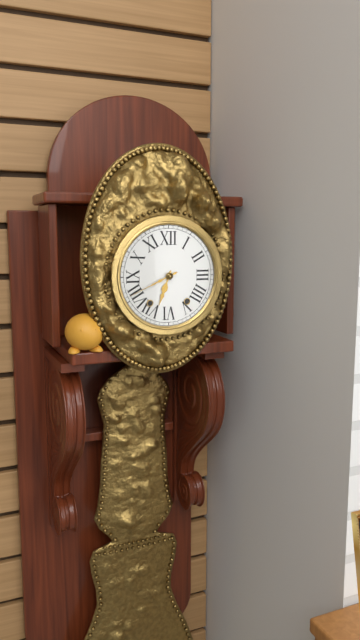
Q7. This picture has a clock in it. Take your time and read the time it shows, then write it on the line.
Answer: 6:41
